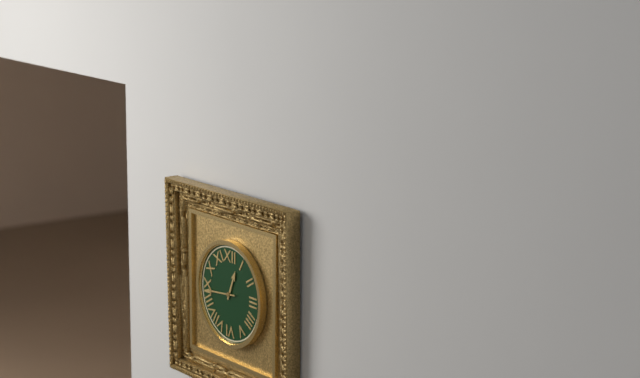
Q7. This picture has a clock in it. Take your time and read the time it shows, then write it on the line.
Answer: 12:44
